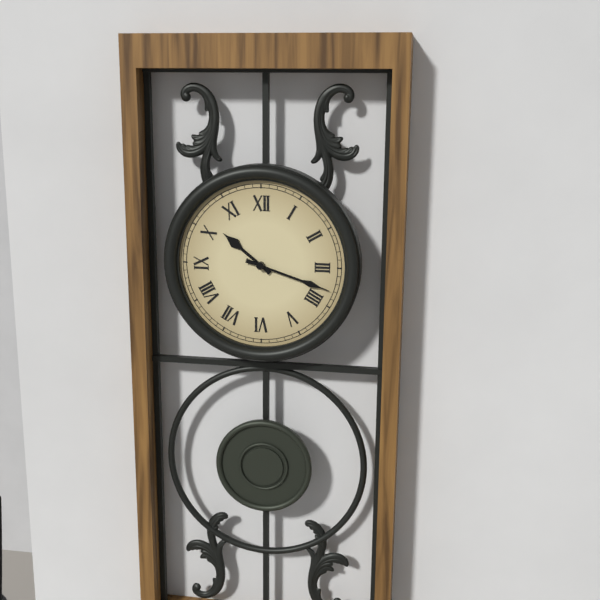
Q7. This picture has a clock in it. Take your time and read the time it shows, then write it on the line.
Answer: 10:18
